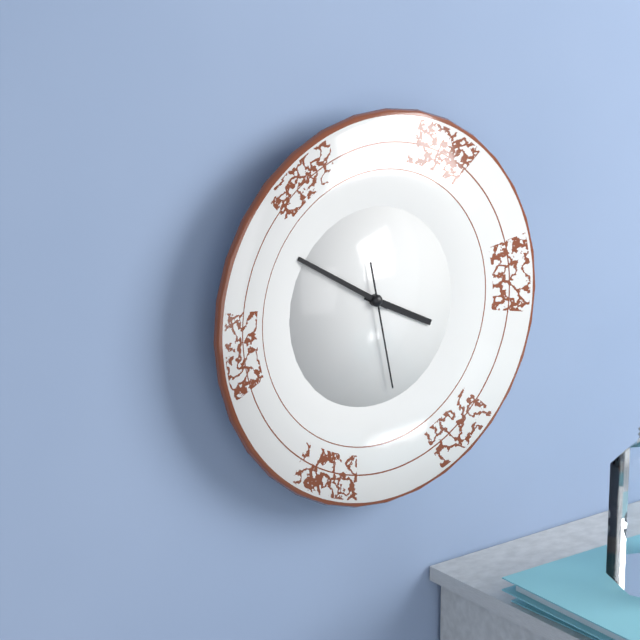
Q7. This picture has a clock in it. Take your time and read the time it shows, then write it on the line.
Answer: 3:50:28
